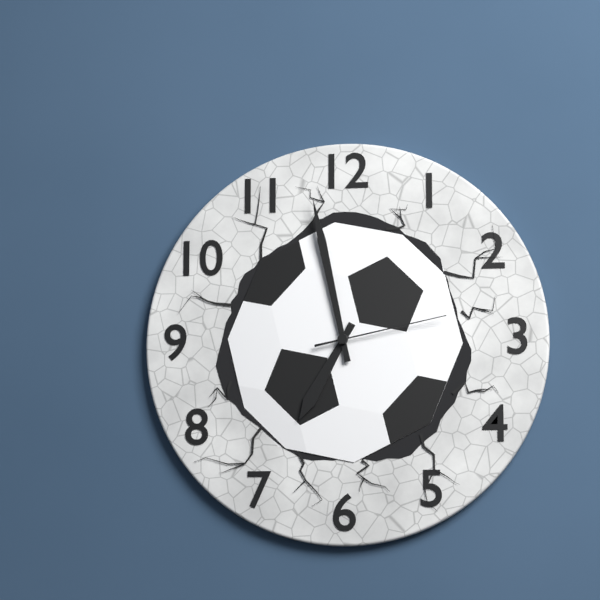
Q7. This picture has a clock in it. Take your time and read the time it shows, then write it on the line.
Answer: 6:58:13
